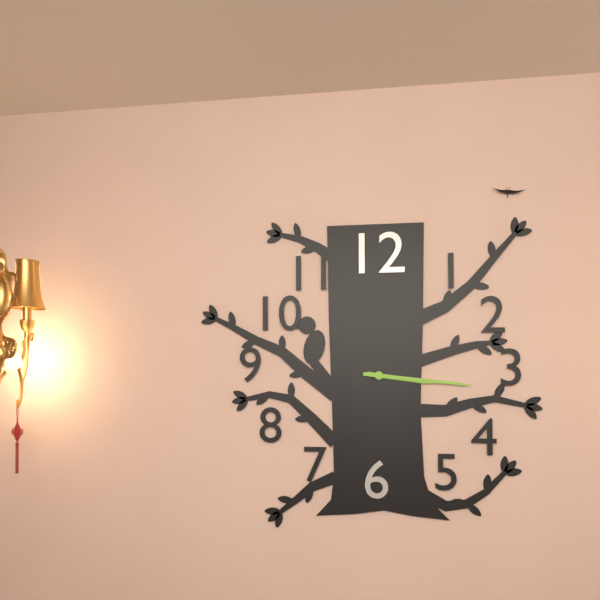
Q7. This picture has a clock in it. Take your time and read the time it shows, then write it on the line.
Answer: 3:16
